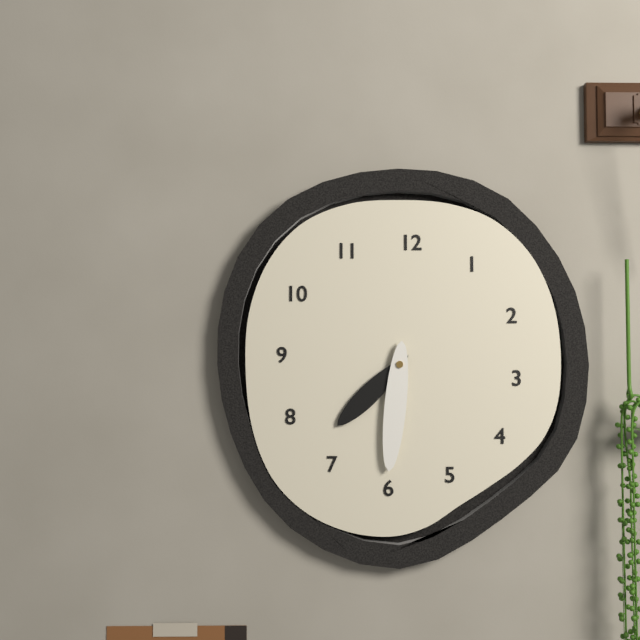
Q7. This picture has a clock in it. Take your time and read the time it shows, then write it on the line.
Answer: 7:31
